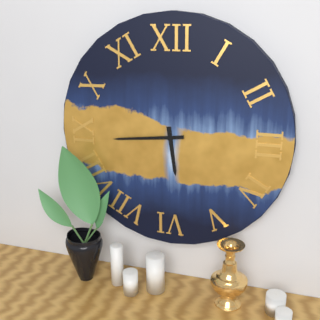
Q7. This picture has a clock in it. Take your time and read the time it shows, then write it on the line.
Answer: 5:44
